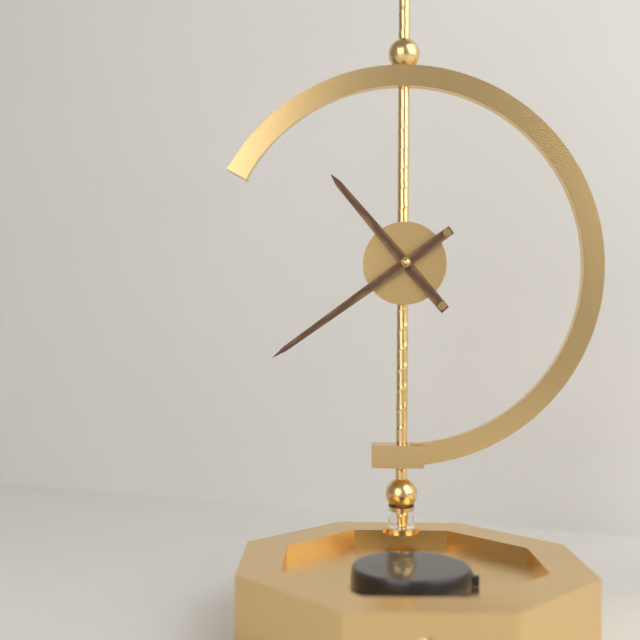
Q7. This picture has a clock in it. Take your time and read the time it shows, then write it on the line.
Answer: 10:39
